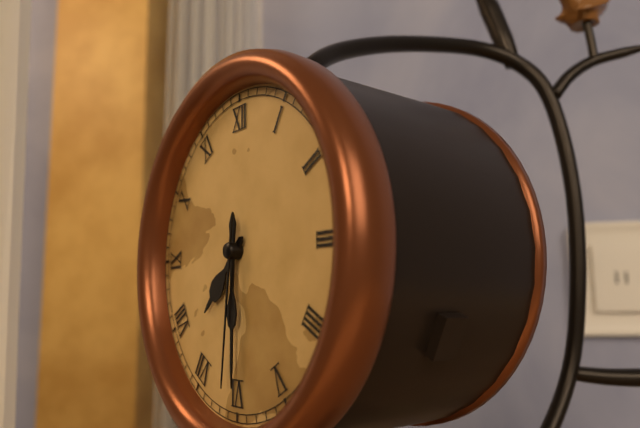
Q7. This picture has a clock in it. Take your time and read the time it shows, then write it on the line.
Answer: 7:30:31
